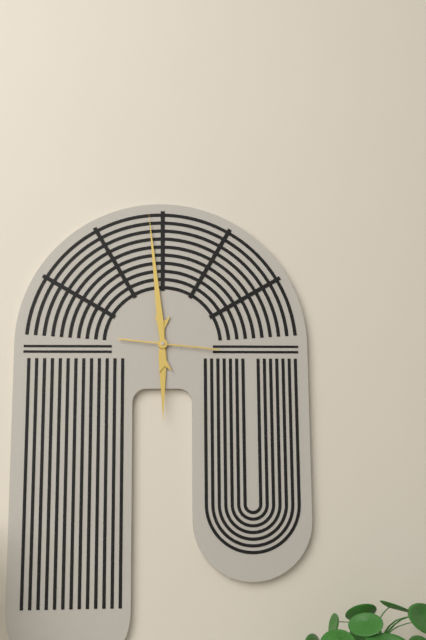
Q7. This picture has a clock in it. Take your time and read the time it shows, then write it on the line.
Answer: 5:59:16
